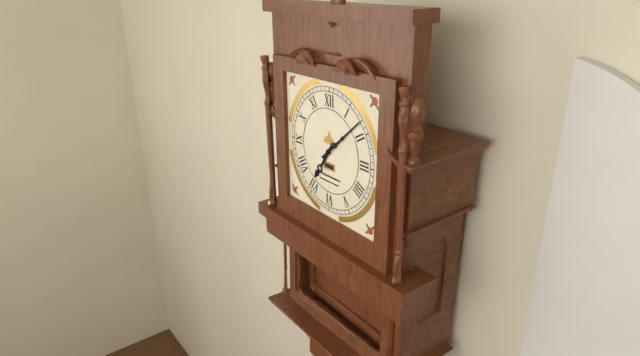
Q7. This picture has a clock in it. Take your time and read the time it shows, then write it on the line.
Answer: 7:08
